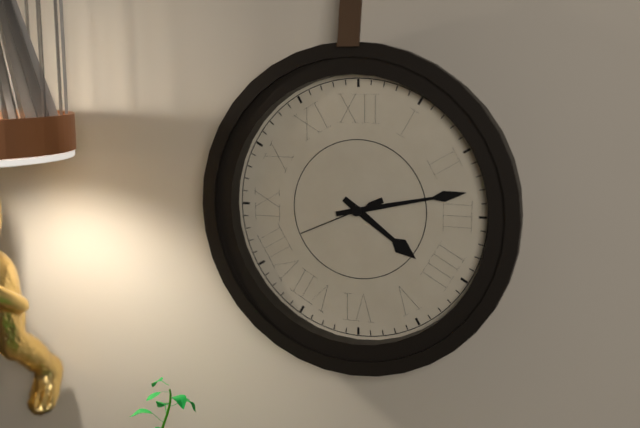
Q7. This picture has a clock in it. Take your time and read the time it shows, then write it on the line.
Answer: 4:13:41
